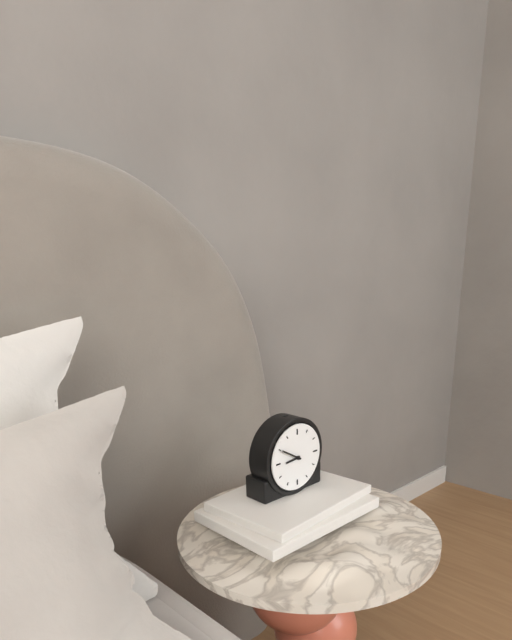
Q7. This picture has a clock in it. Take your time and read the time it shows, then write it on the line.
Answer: 8:50
